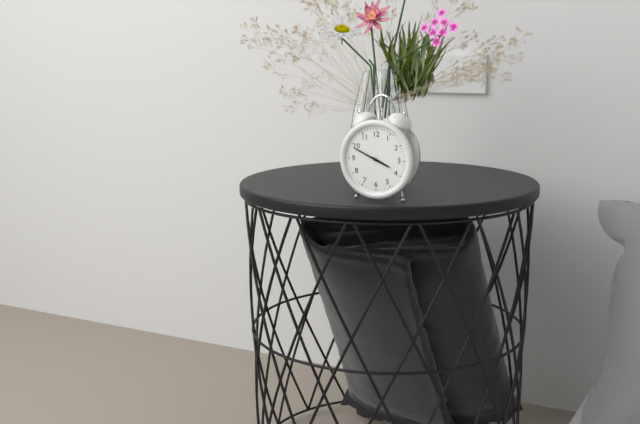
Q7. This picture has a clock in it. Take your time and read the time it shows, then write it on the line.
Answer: 3:49
